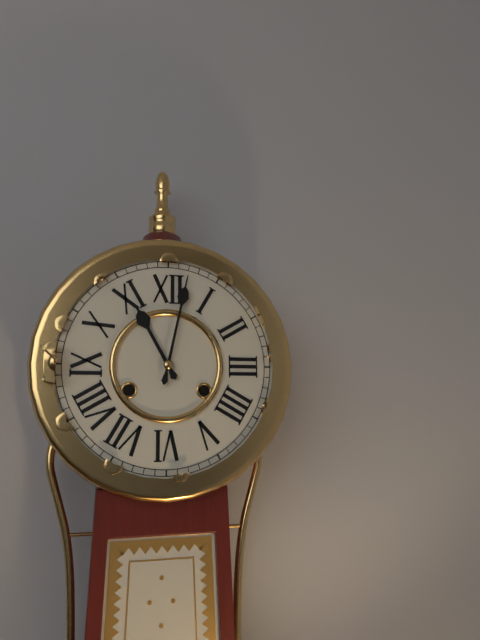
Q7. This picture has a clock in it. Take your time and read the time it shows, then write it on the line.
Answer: 11:02
